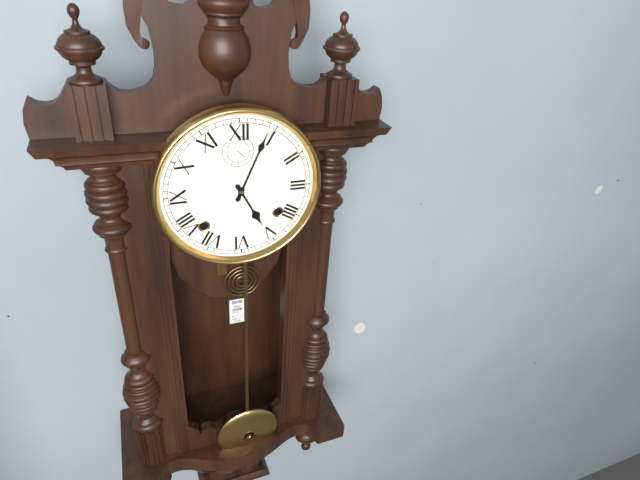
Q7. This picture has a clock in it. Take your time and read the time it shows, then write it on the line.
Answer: 5:04
